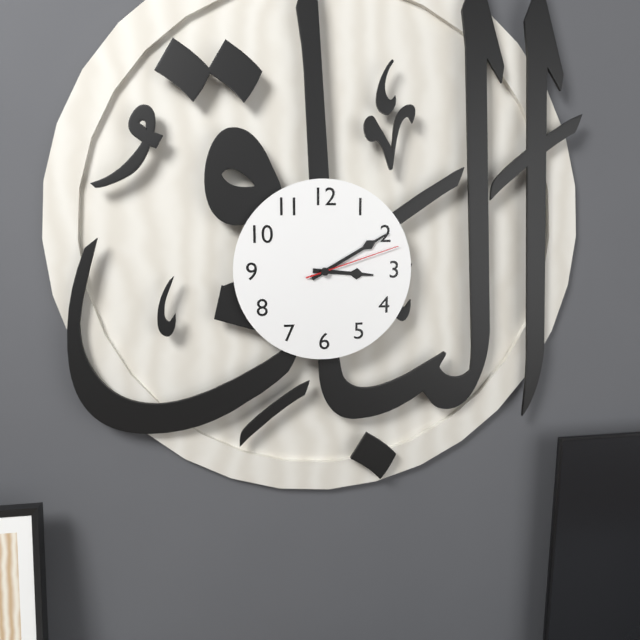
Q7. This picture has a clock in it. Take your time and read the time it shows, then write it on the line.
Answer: 3:10:12
